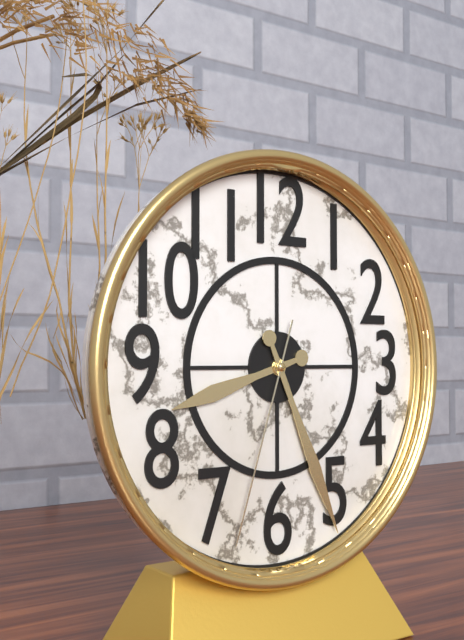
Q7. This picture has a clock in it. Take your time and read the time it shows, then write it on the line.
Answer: 8:26:33
